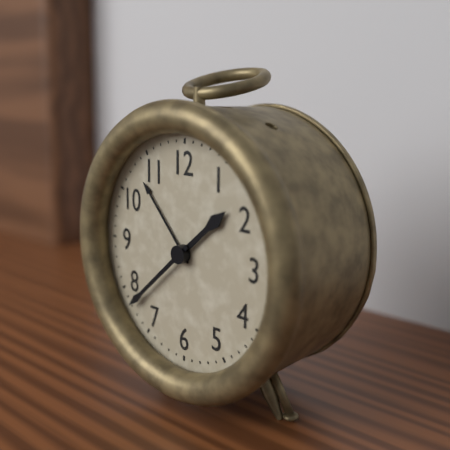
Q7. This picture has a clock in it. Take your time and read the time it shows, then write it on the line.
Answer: 1:38
